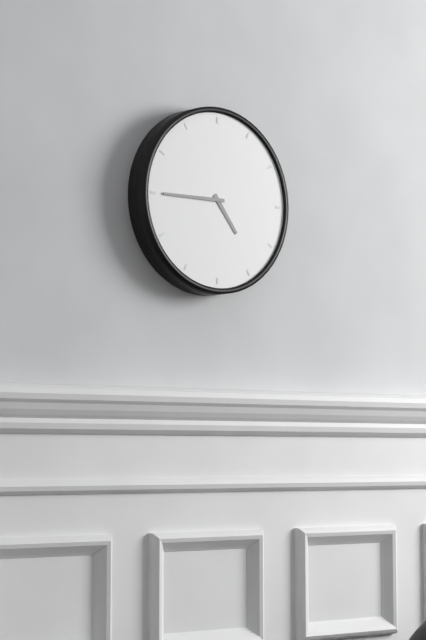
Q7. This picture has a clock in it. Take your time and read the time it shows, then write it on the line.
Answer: 4:45
